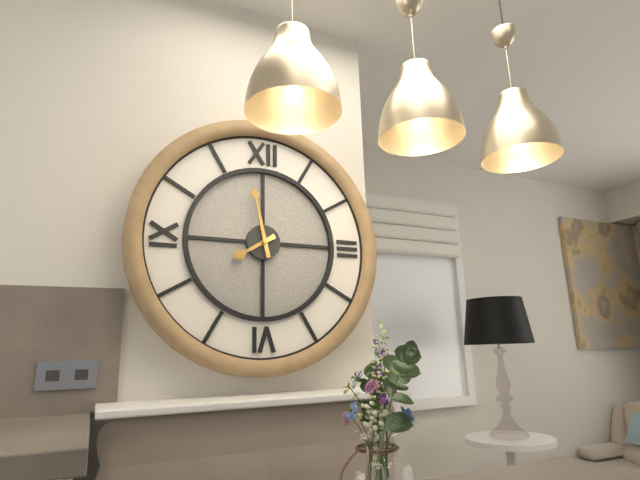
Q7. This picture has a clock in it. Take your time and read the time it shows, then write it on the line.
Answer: 7:58
